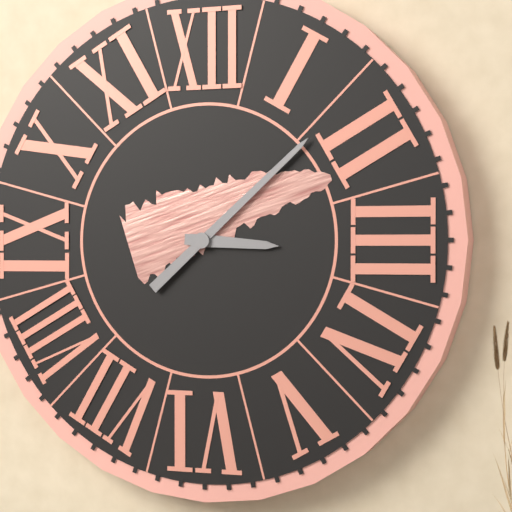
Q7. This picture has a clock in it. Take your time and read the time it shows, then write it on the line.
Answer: 3:08
